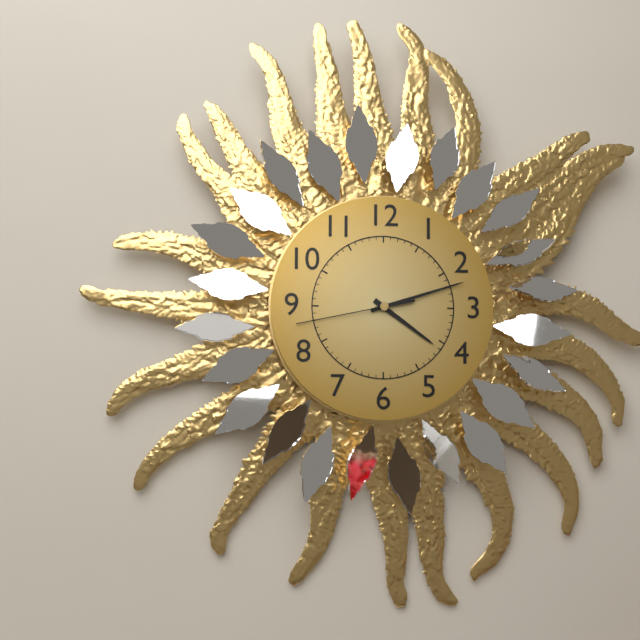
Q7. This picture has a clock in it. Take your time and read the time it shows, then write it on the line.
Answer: 4:12:43
